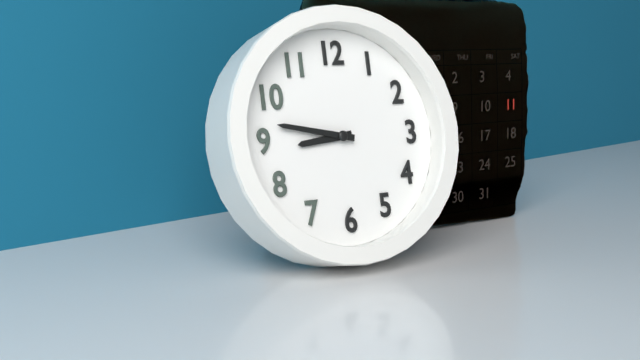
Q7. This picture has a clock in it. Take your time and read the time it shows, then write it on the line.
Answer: 8:47
